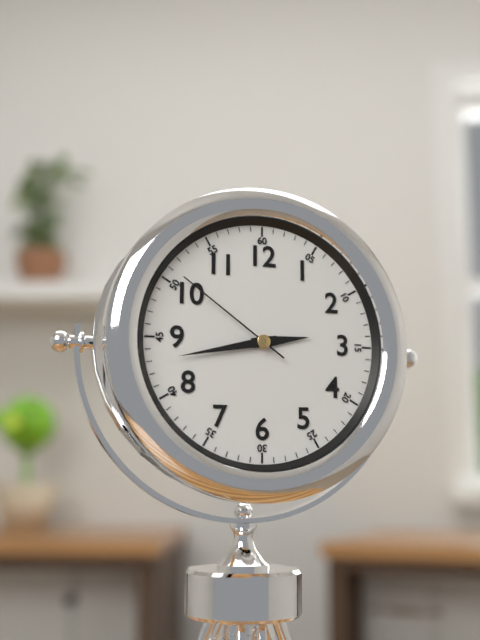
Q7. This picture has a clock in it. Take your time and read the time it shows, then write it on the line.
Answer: 2:43:51
